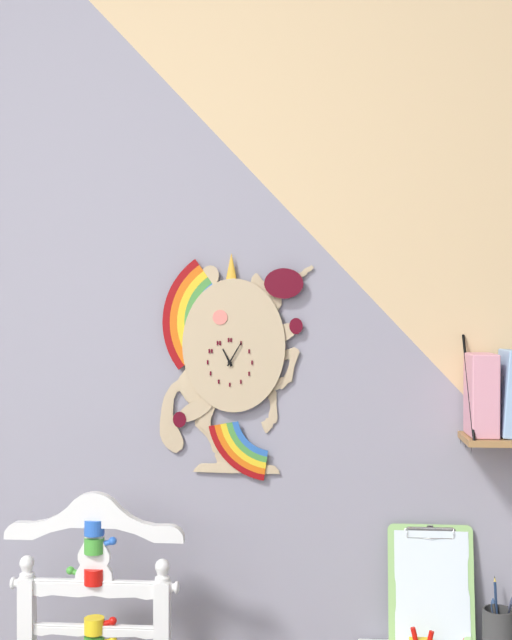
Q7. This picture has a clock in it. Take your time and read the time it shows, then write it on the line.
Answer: 11:05
